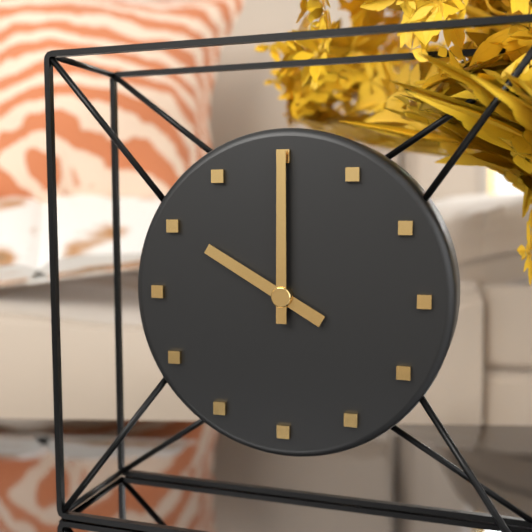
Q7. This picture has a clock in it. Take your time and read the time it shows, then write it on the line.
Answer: 10:00
